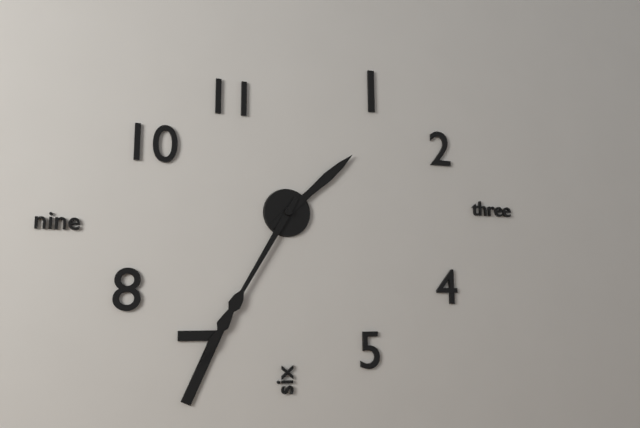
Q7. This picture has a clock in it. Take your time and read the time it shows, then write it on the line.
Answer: 1:35
